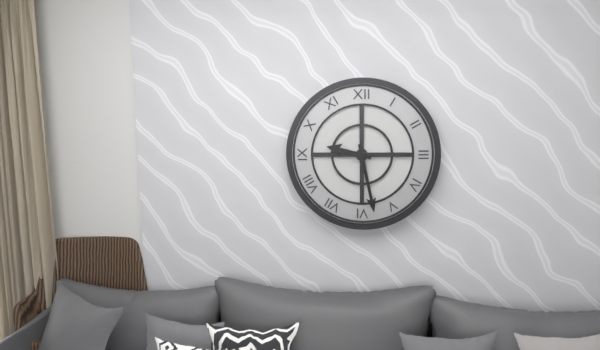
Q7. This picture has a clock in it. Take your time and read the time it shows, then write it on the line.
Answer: 9:28
